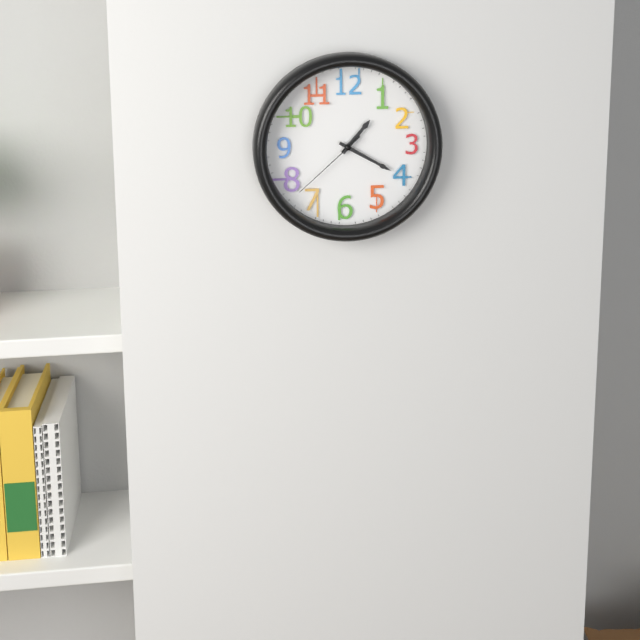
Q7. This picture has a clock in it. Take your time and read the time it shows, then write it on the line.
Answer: 1:20:38
